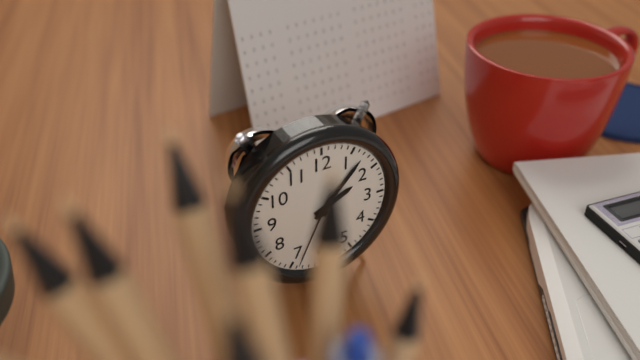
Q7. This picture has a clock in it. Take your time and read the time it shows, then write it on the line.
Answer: 2:07:34
